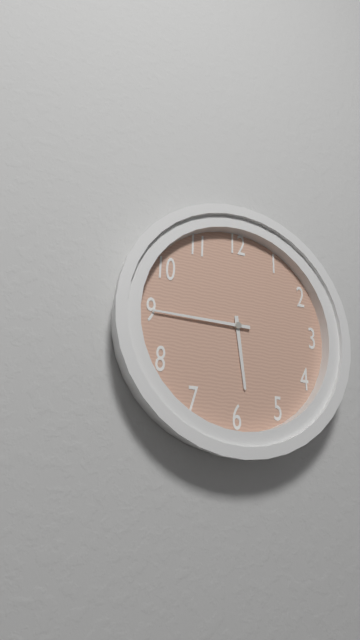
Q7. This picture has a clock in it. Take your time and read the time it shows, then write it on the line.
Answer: 5:45
